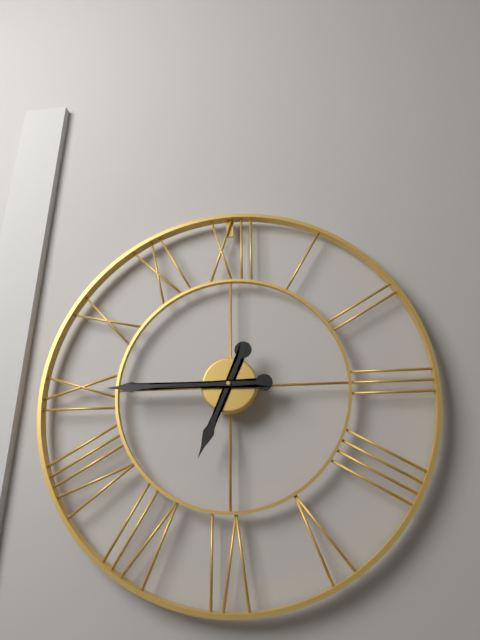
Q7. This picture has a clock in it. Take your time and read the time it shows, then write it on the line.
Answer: 6:45
